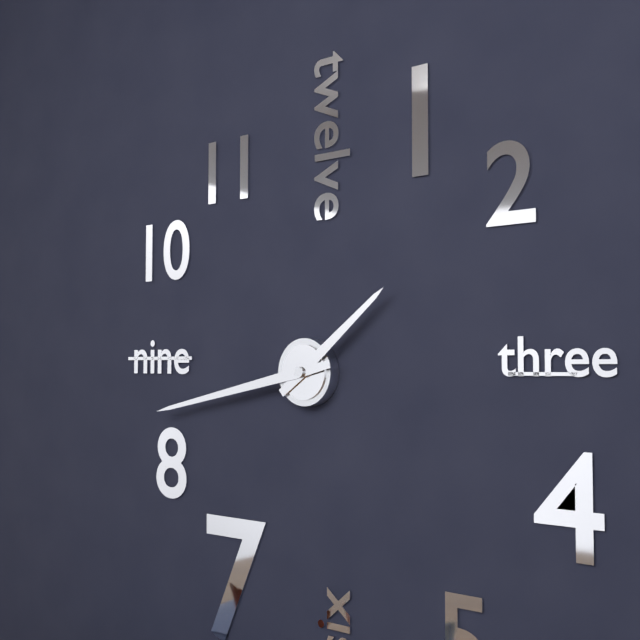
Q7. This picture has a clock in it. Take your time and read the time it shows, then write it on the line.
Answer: 1:43
